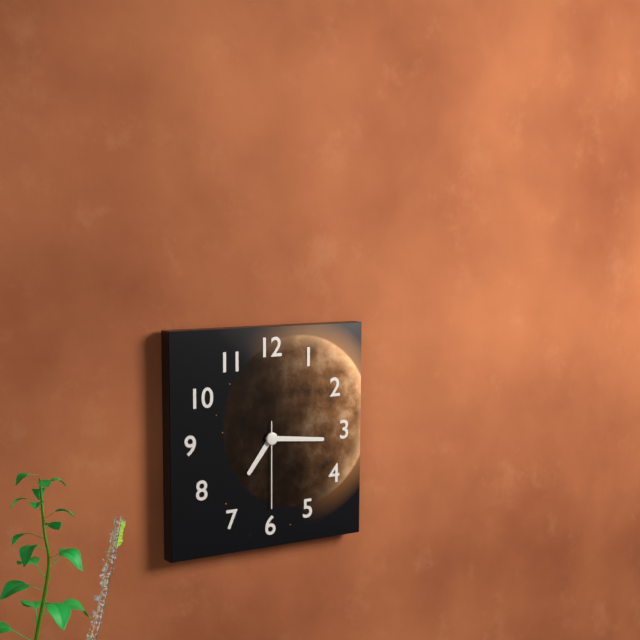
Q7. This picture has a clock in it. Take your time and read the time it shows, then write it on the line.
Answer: 7:16:30
